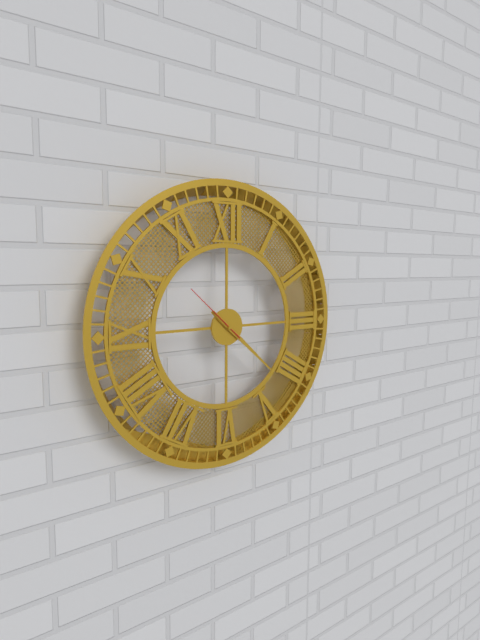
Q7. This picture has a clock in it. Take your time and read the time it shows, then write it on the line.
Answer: 4:22:52
